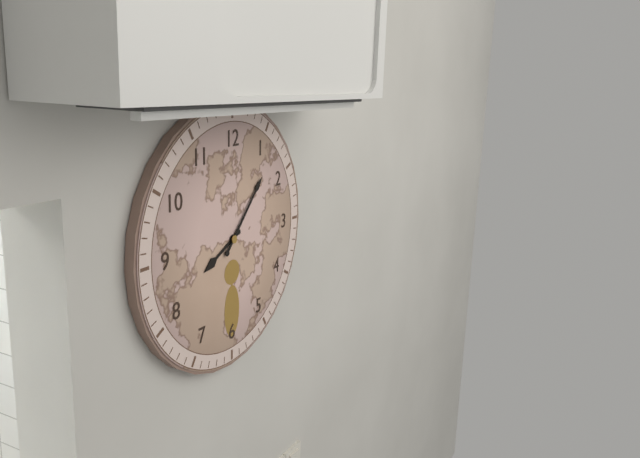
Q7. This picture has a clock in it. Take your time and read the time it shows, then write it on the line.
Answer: 8:07
